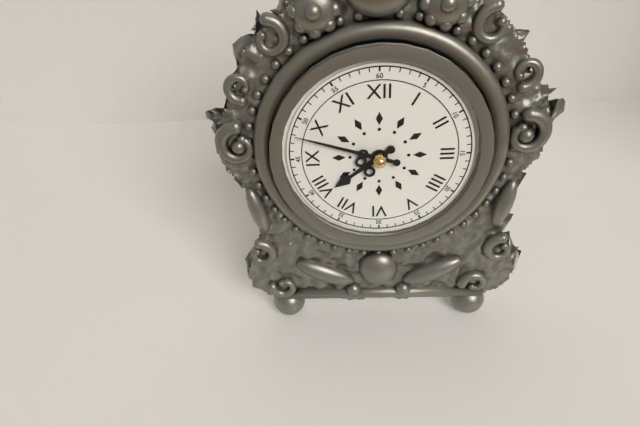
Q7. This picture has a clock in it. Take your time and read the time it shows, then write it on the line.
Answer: 7:48
